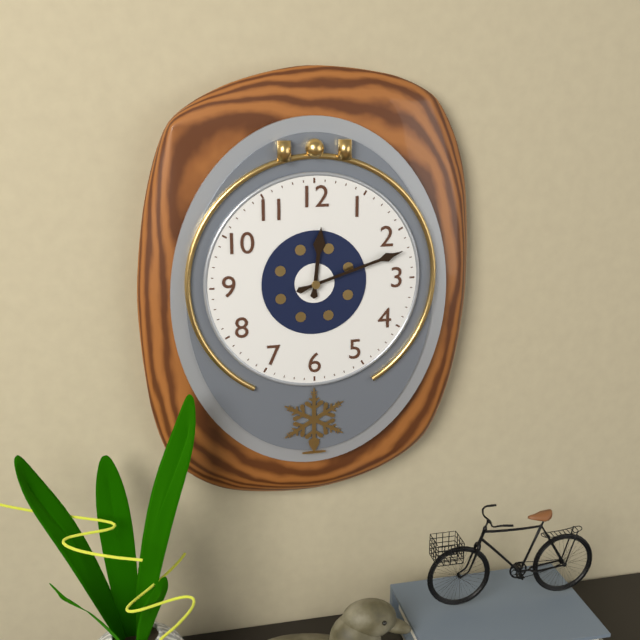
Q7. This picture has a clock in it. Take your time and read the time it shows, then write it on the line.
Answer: 12:12
